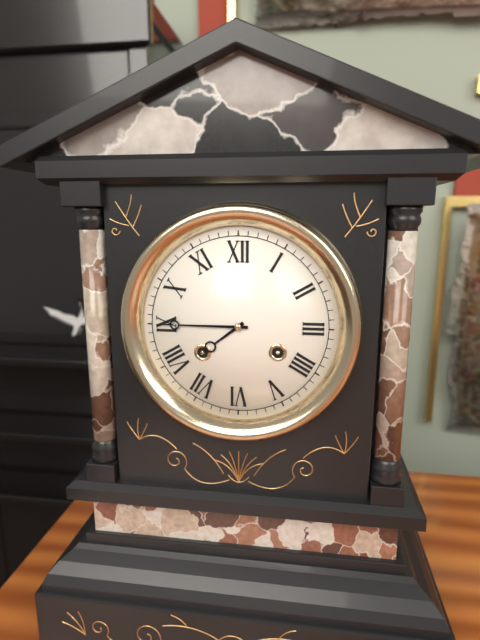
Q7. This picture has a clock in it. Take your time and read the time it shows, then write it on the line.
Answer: 7:45
